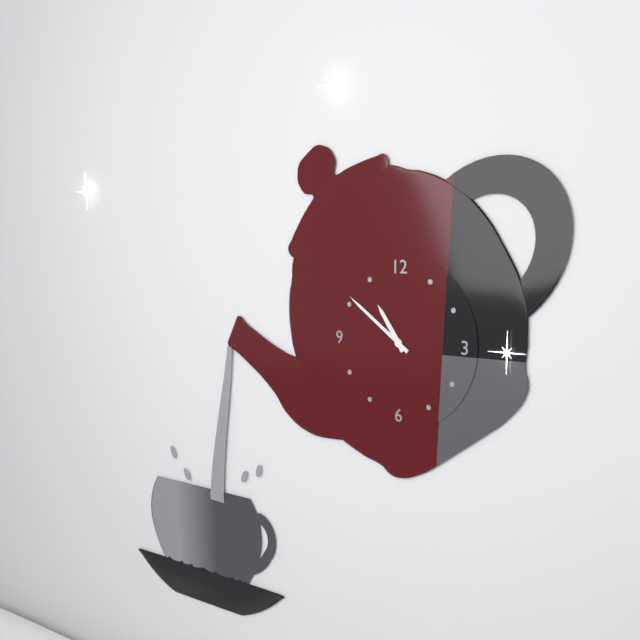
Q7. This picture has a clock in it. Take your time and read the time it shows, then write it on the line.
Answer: 10:51
